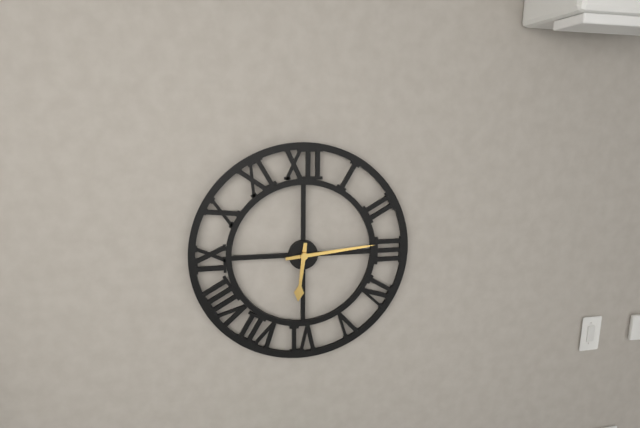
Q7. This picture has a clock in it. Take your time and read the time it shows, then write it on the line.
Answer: 6:14
